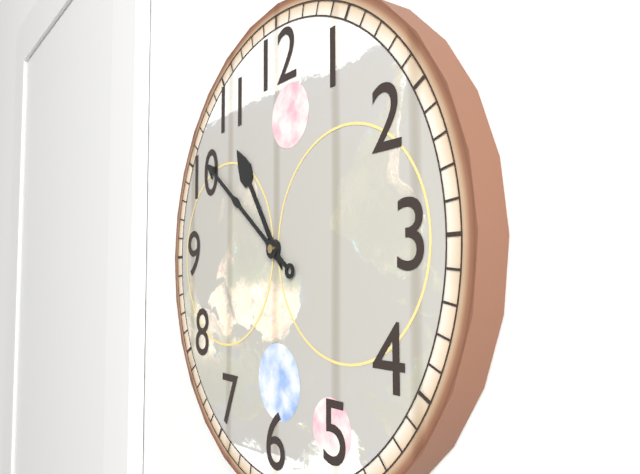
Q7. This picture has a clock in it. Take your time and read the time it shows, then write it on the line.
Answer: 10:51
